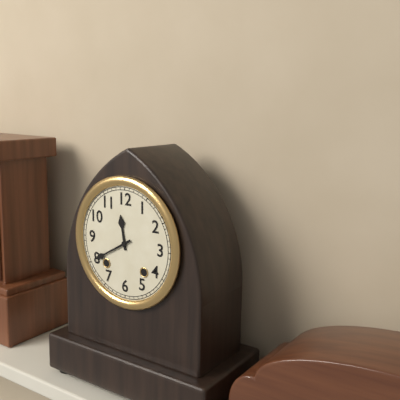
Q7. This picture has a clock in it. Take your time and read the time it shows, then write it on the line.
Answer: 11:40
